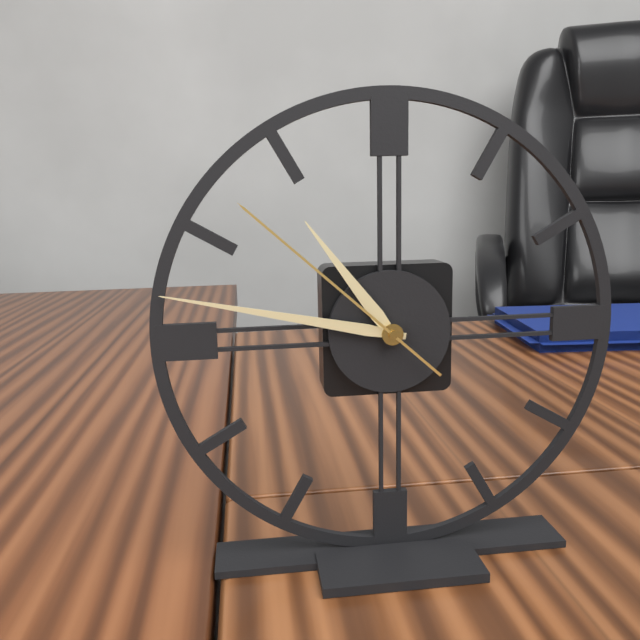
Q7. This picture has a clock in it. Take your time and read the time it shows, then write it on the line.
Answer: 10:47:52
